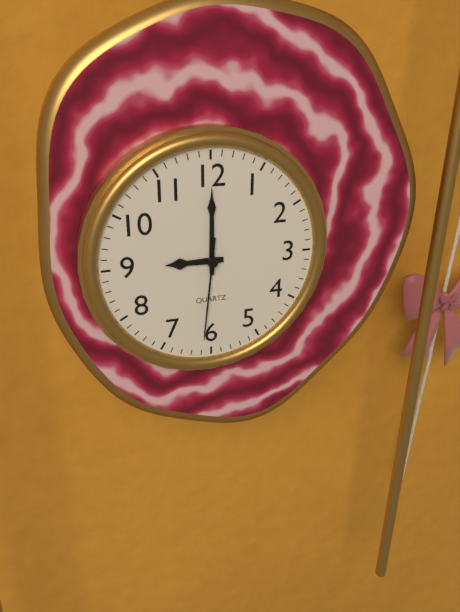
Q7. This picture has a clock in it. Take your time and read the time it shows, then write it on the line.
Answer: 9:00:31
